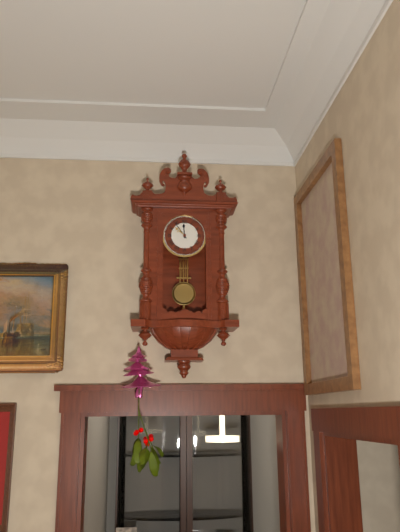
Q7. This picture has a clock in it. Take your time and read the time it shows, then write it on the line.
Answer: 11:54
